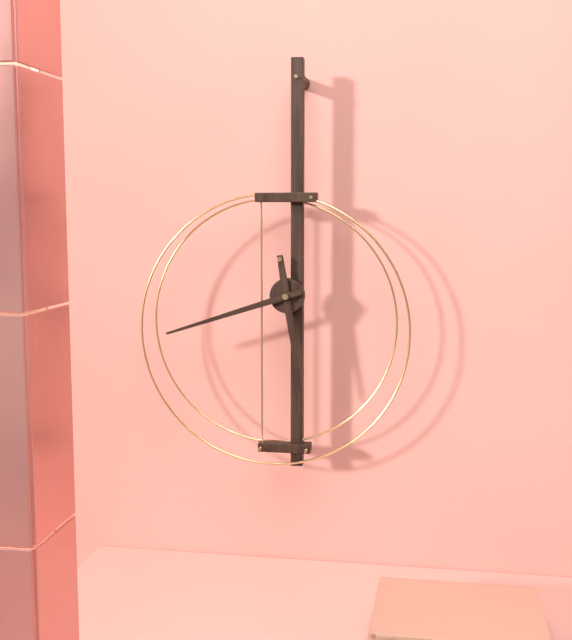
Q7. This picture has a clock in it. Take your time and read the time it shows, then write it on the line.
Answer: 5:42
